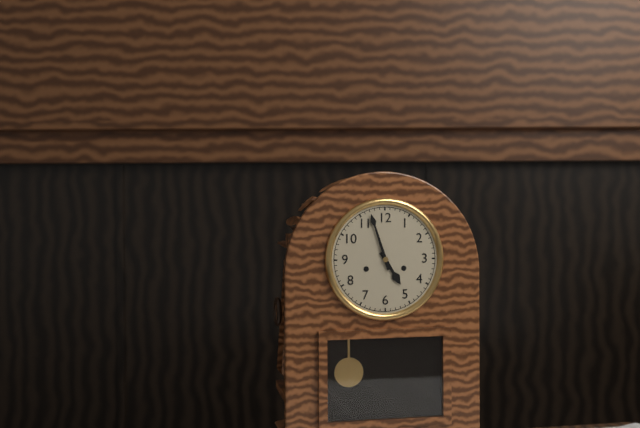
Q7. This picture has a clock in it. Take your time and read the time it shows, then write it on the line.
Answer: 4:57
